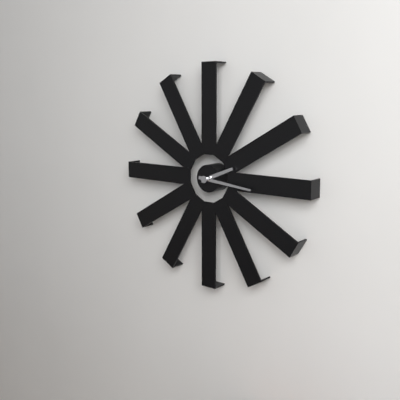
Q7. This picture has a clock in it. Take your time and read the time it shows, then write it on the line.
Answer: 2:16
